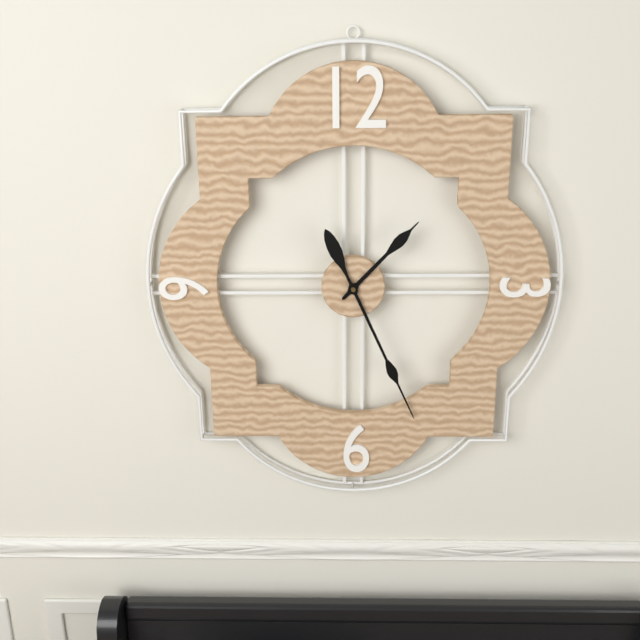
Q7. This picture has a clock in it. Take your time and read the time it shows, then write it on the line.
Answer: 1:26
